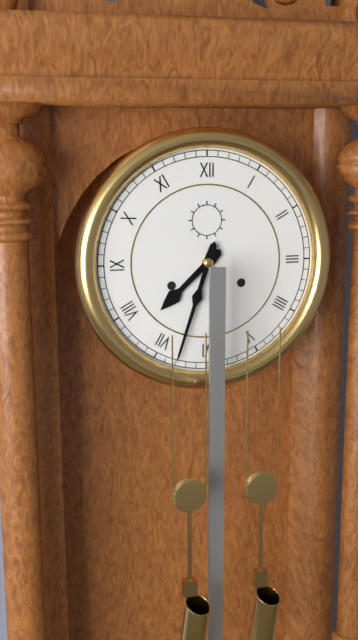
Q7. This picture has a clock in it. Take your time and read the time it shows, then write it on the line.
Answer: 7:33
